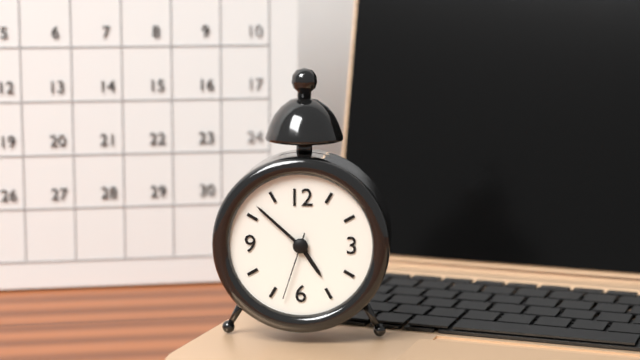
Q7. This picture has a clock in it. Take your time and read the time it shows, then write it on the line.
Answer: 4:52:33
